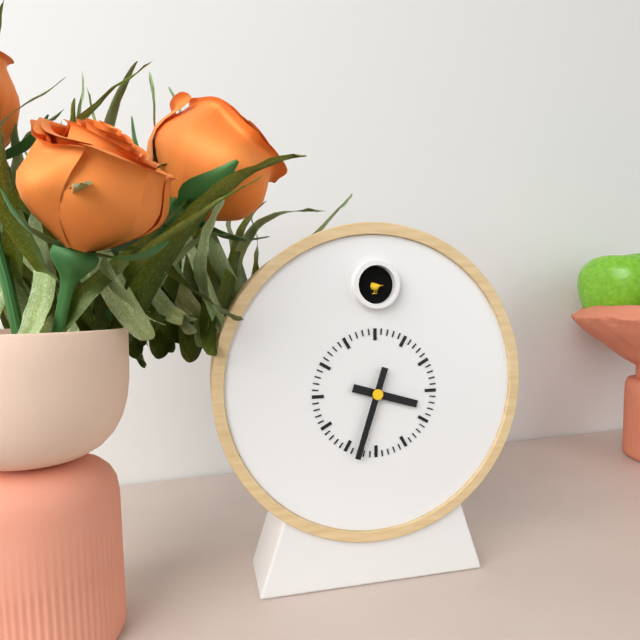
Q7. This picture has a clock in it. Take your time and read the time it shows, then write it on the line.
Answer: 3:33
